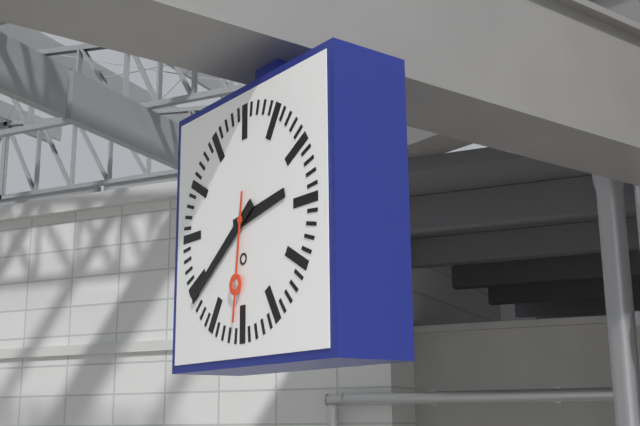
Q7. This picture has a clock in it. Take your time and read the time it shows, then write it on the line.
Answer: 2:39:31
